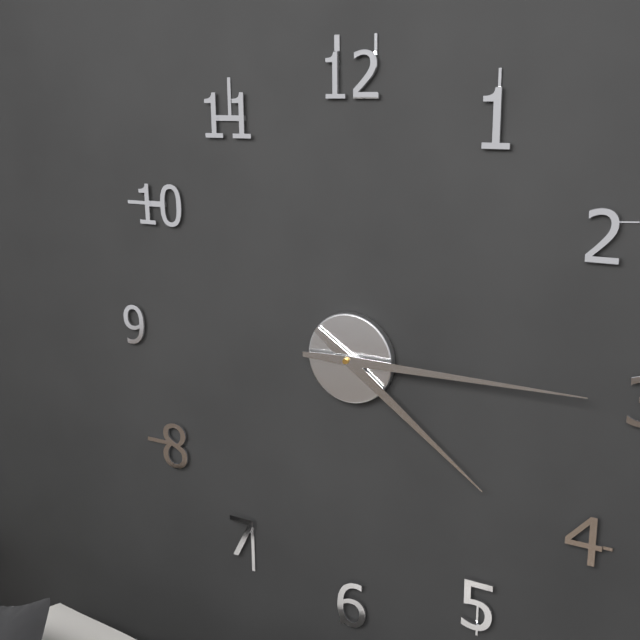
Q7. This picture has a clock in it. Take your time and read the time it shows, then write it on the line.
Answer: 4:15
